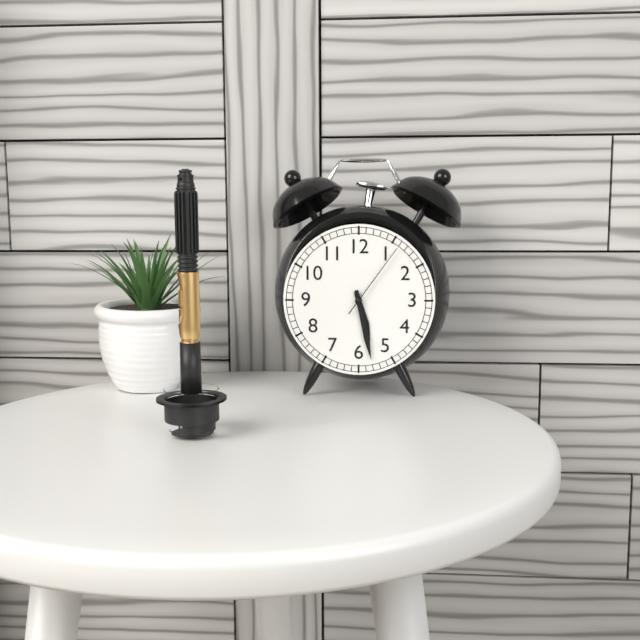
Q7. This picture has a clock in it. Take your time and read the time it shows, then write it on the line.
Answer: 5:28:06
